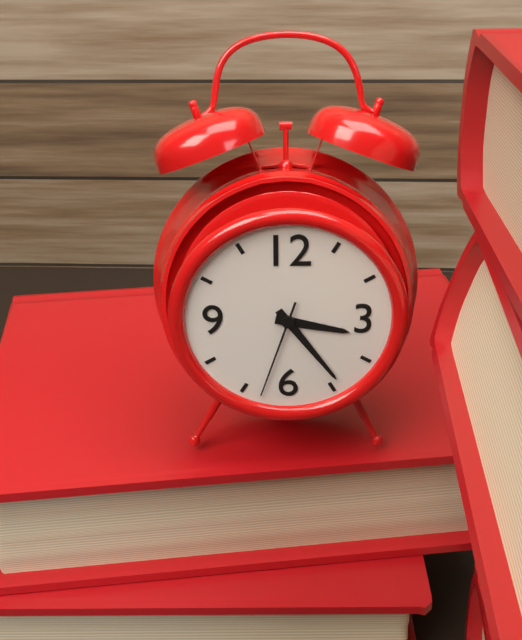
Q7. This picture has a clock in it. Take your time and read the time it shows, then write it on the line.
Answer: 3:24:33
